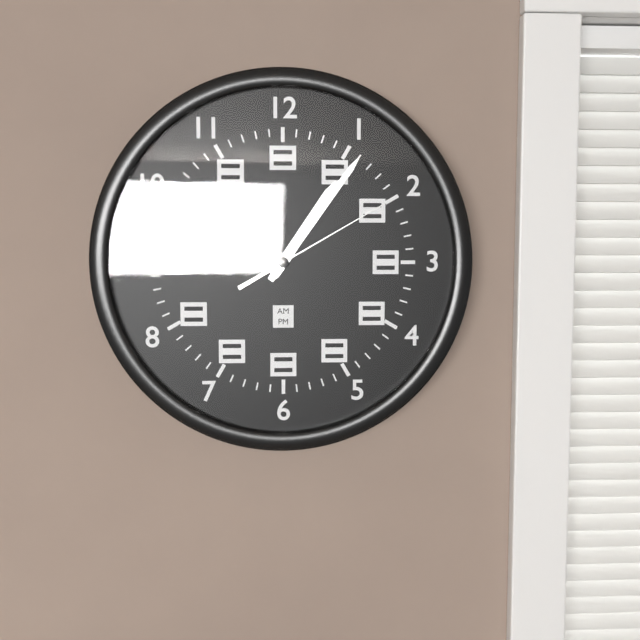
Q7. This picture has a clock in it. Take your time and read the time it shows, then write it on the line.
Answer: 1:06:10
